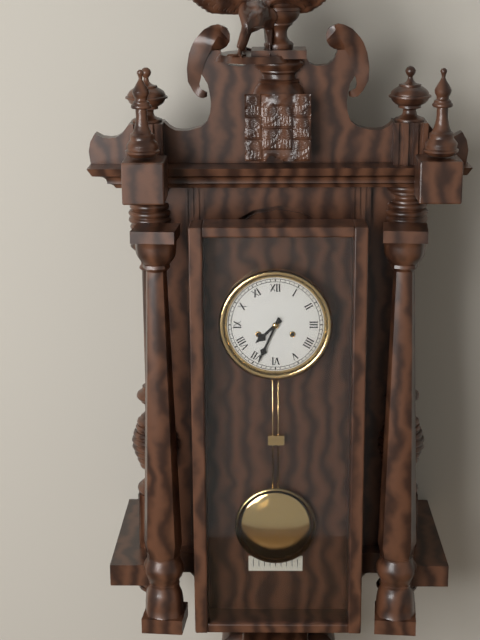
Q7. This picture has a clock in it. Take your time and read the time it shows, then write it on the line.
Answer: 7:34
